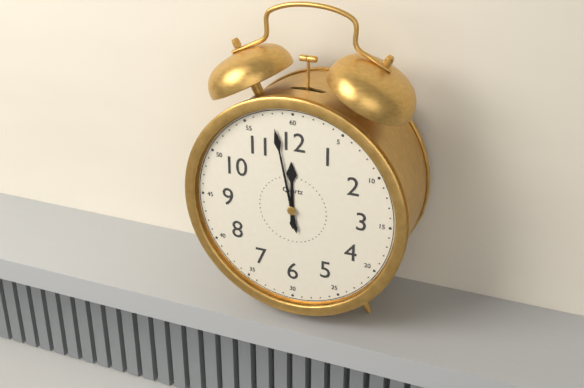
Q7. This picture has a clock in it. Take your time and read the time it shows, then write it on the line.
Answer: 11:58
